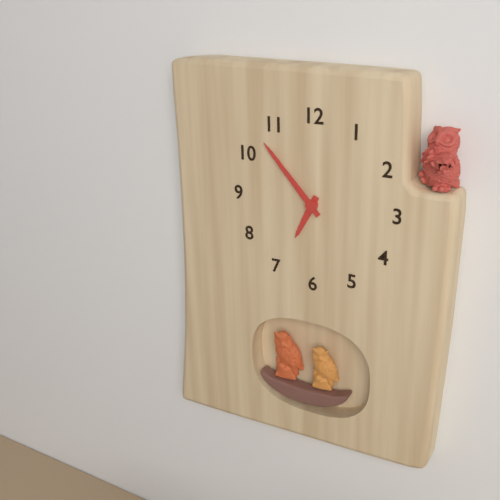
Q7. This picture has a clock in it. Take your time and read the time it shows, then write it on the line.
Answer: 6:53
